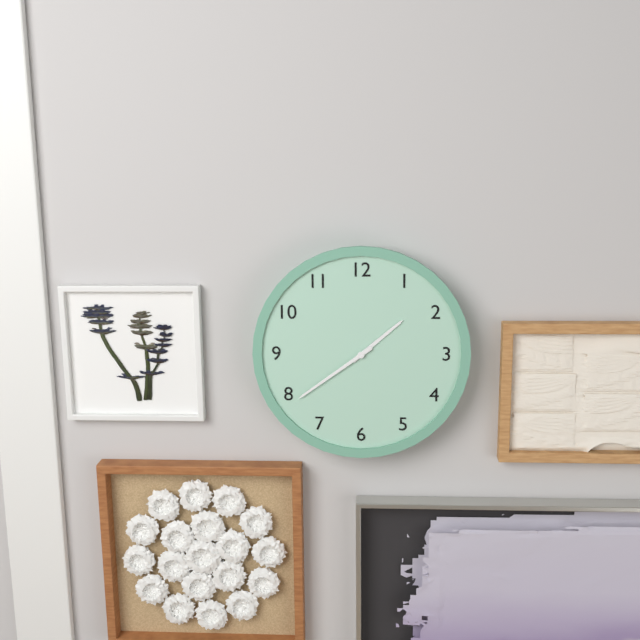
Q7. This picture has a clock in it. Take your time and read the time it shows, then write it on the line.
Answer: 1:39
